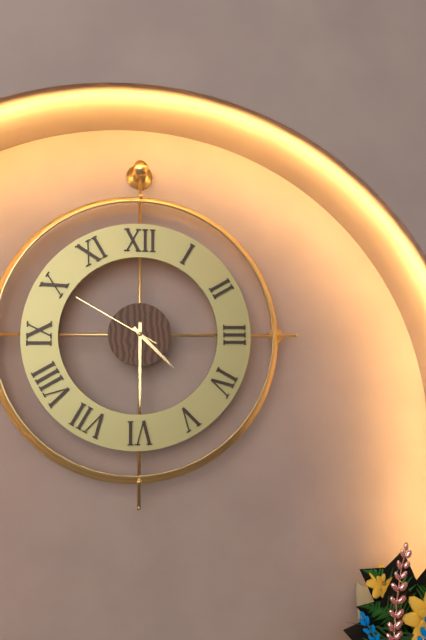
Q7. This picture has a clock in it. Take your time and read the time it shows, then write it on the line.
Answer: 4:30:50
